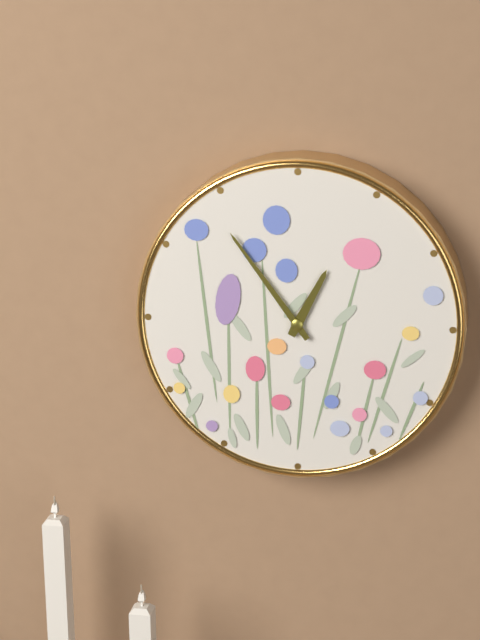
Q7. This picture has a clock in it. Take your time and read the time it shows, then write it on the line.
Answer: 12:54
